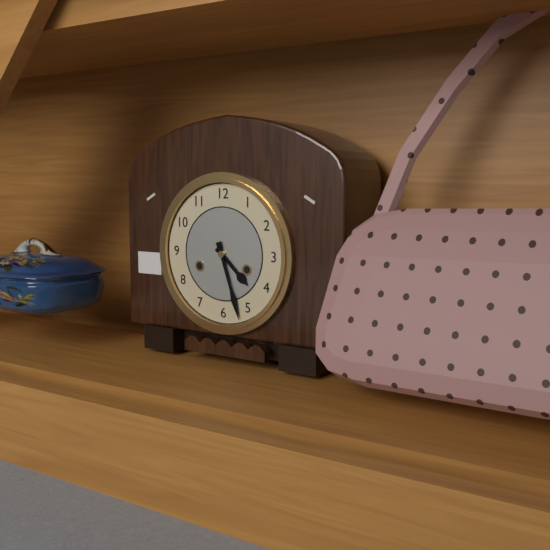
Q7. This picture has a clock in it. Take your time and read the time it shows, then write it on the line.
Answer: 4:27
